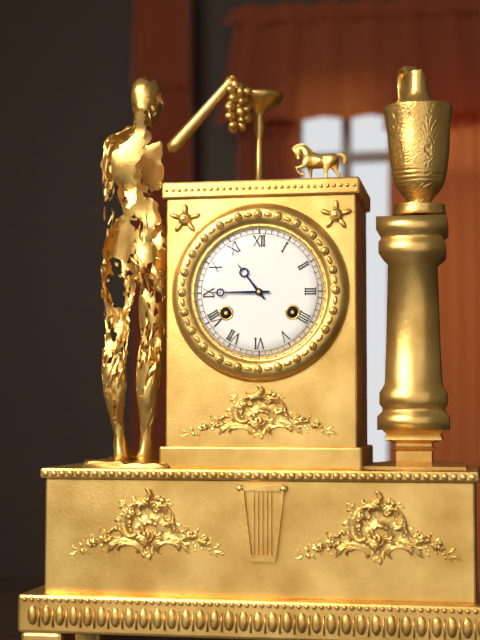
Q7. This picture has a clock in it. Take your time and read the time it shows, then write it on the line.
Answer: 10:45
